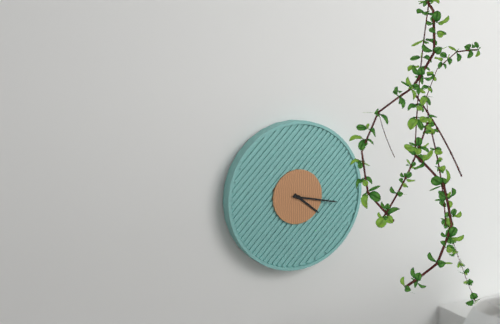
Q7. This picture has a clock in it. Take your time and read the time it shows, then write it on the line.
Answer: 4:17
